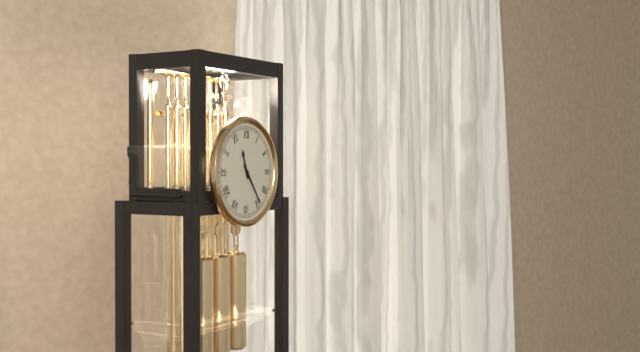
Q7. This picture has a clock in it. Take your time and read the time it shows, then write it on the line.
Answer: 11:24
